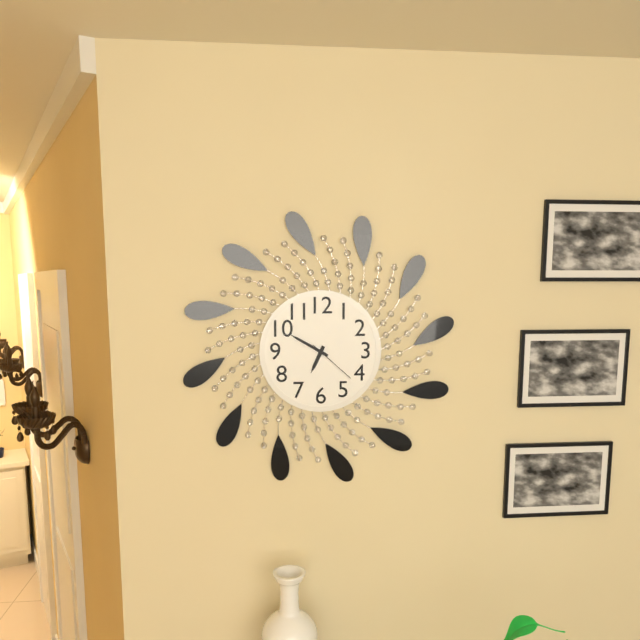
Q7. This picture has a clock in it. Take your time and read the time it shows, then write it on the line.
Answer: 6:50:22
